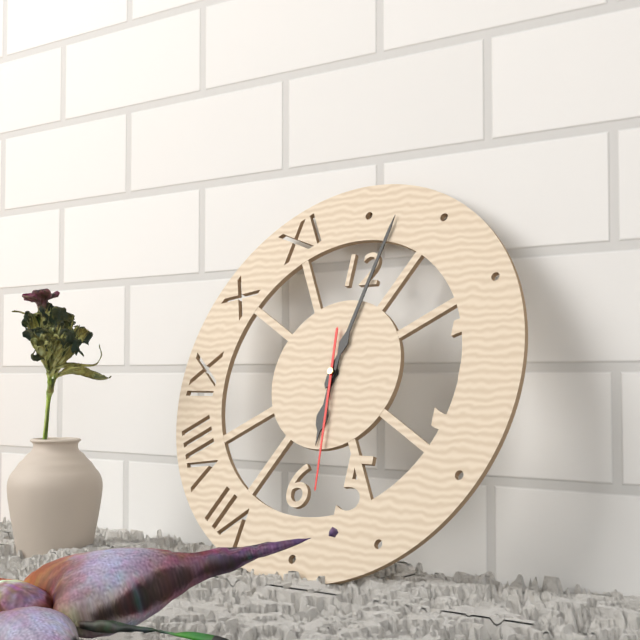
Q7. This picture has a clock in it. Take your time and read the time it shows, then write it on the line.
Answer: 6:02:29
